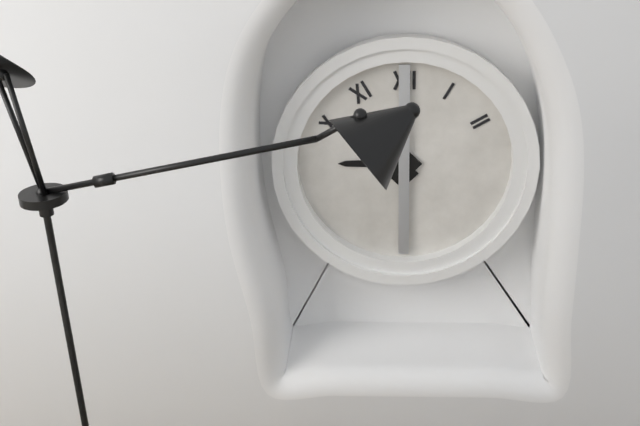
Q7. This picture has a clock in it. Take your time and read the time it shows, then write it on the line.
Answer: 9:00
